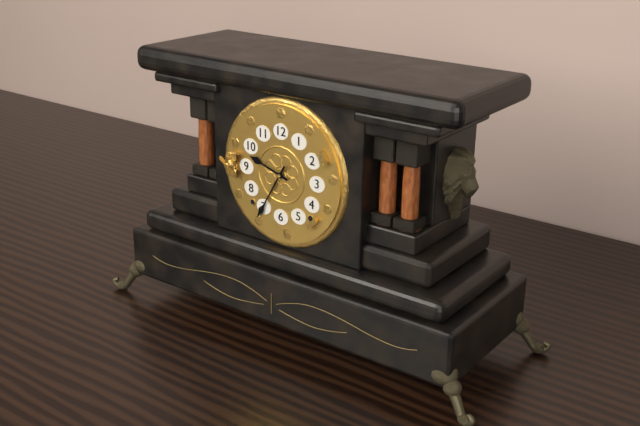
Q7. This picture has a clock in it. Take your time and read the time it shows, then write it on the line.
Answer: 9:35
